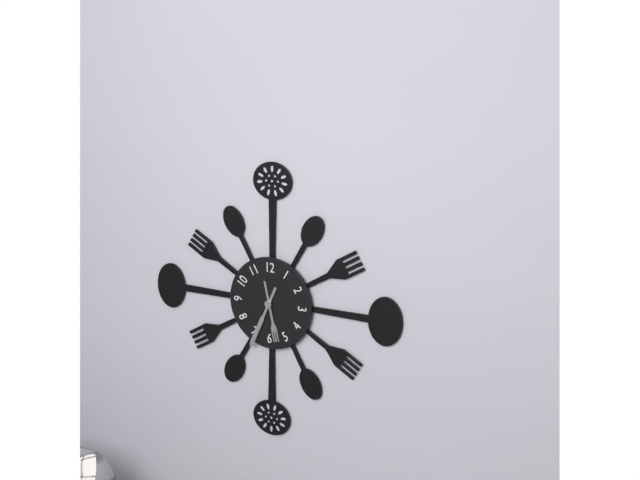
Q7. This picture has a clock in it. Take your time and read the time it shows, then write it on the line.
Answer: 5:34
